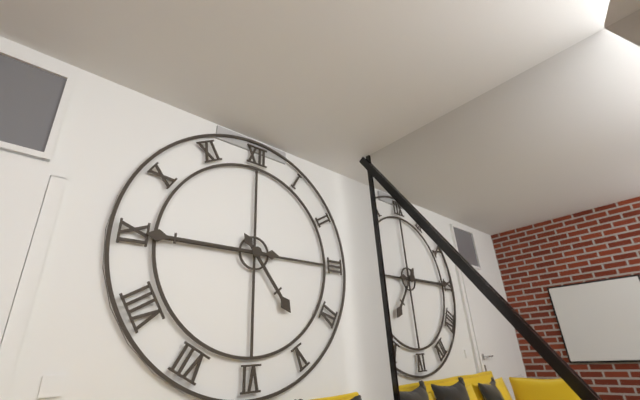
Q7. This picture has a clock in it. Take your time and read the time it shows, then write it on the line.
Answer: 4:45
